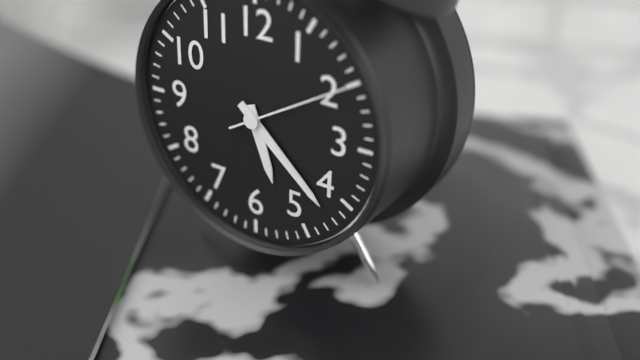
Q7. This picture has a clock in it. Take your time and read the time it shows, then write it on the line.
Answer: 5:22:10
